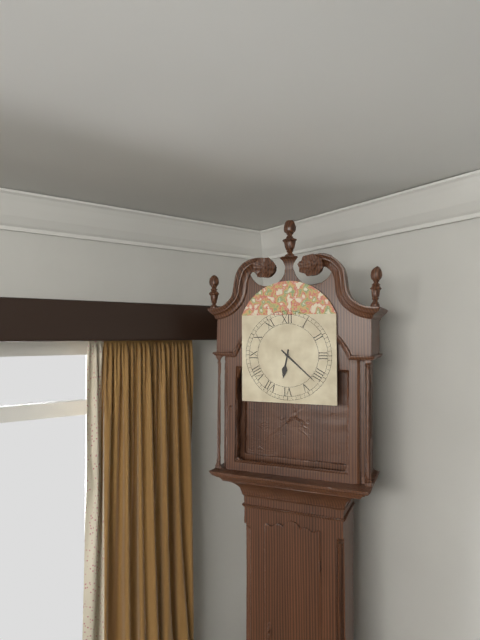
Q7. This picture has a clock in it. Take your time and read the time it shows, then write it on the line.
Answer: 6:22
